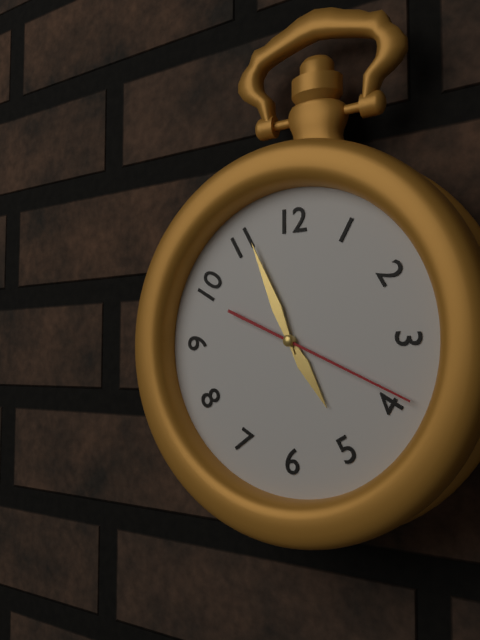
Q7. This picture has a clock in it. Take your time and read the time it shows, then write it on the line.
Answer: 4:56:19
